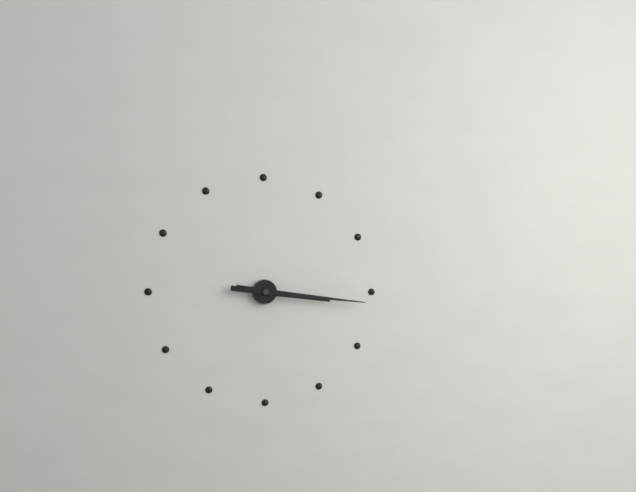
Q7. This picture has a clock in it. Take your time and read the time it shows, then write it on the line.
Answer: 3:16
